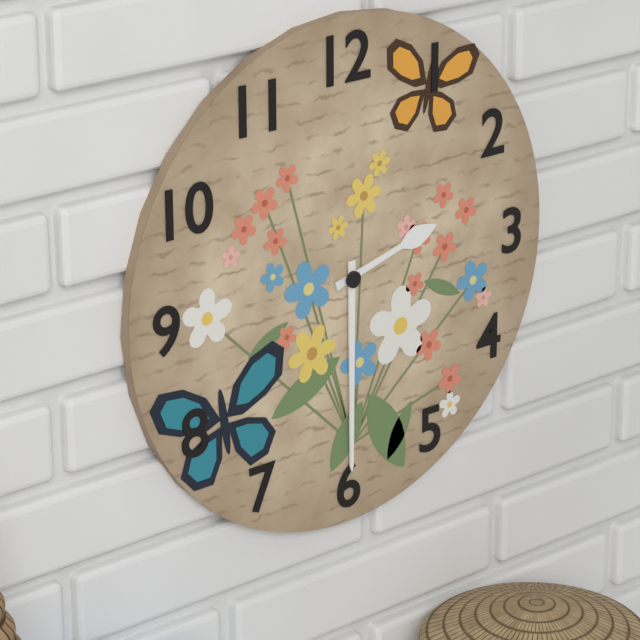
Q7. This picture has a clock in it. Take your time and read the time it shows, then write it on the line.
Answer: 2:30
